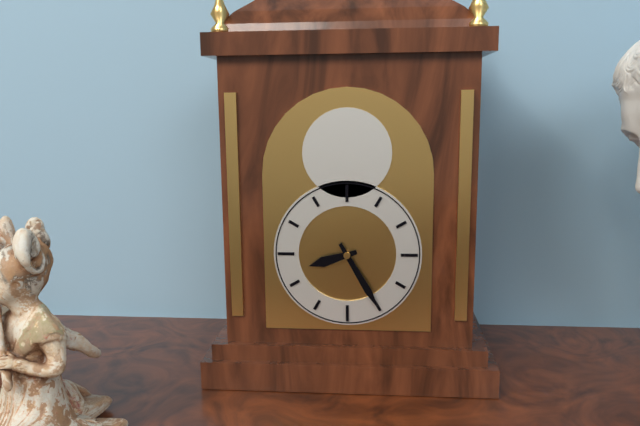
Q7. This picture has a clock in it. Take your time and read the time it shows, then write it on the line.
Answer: 8:25
